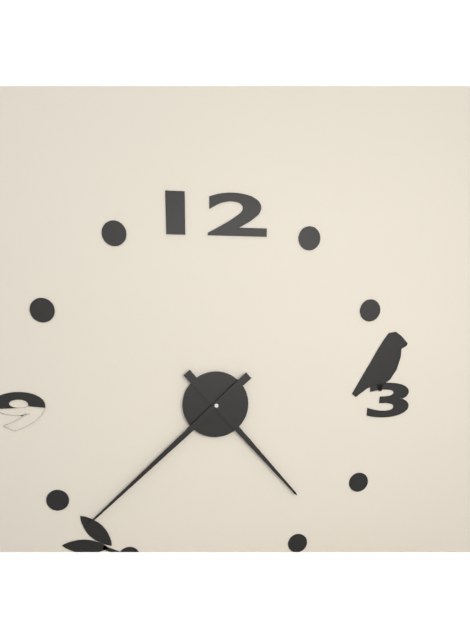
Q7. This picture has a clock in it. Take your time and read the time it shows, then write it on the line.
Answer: 4:38
